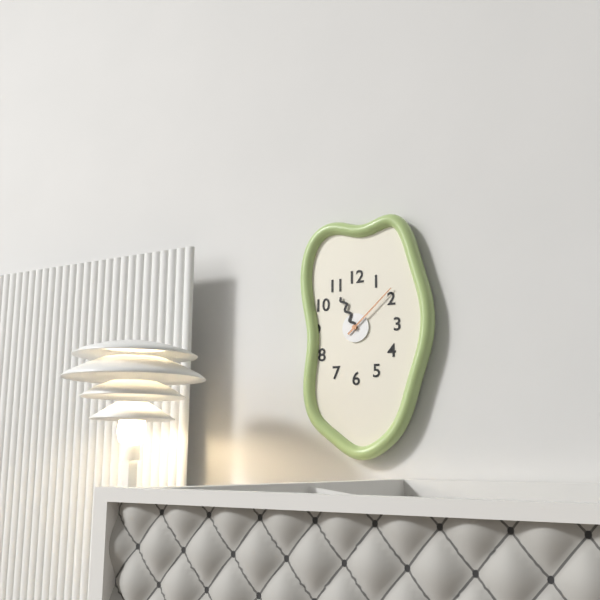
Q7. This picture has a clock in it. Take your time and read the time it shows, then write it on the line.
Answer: 11:08
